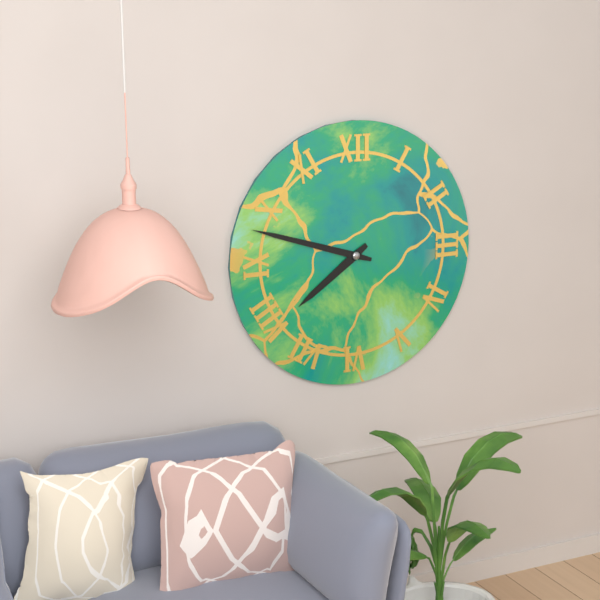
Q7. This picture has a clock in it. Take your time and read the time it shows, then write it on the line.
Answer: 7:48
